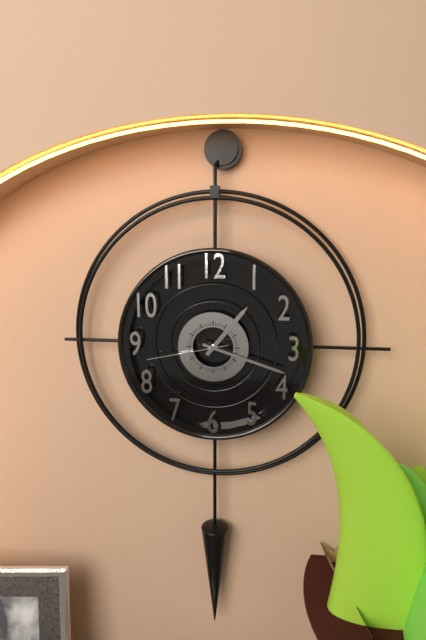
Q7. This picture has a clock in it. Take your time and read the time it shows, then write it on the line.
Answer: 1:18:43
